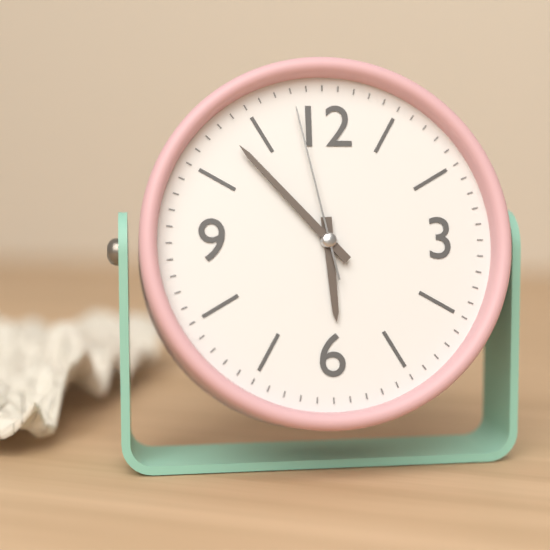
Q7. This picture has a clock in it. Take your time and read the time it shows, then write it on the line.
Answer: 5:53:58
